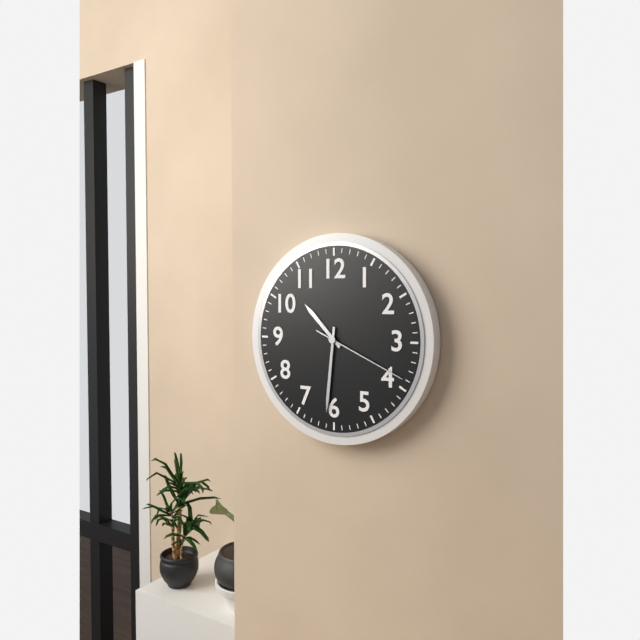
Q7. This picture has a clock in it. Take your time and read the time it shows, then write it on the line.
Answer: 10:31:19
